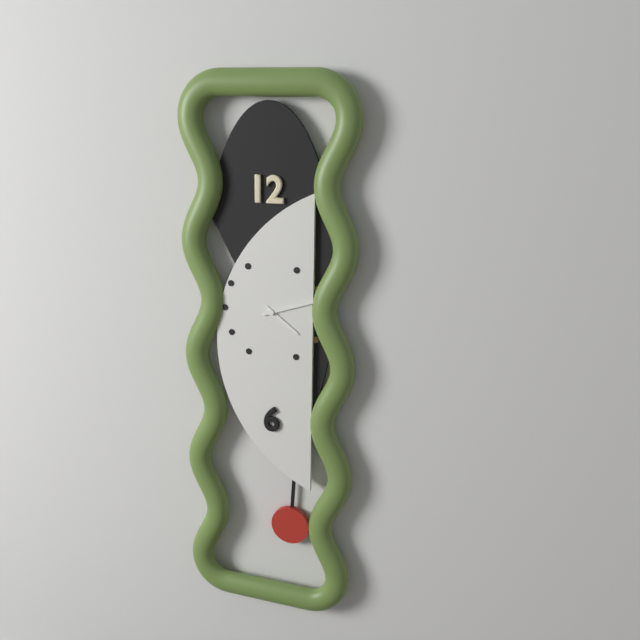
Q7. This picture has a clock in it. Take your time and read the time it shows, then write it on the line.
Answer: 4:12
